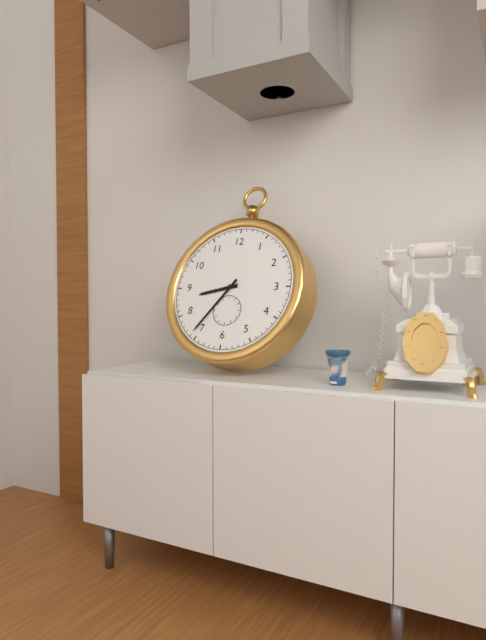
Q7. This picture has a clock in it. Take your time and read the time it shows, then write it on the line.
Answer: 8:36
